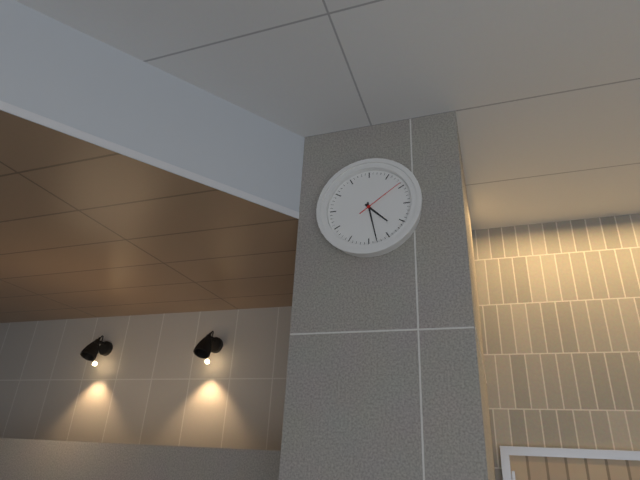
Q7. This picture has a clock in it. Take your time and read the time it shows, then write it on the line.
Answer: 4:28
